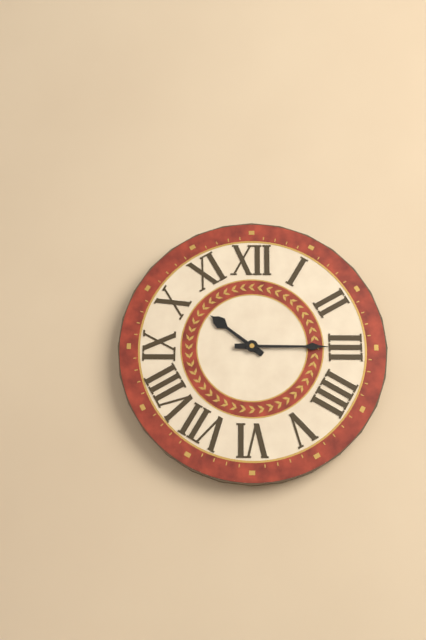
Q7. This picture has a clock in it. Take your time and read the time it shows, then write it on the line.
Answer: 10:15
